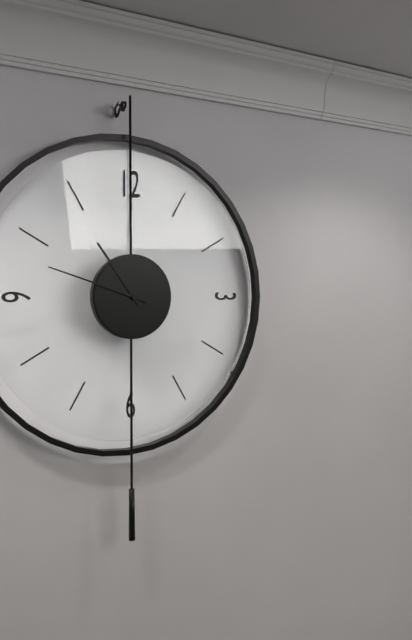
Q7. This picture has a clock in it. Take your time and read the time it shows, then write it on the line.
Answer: 10:48
